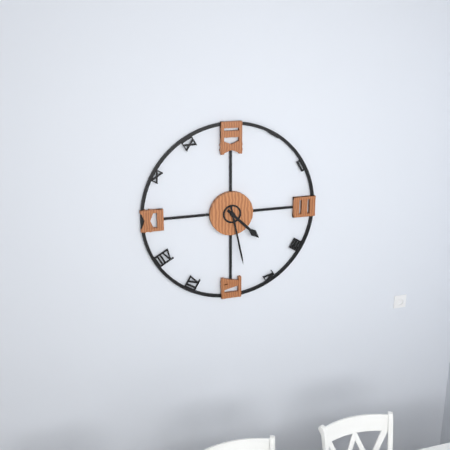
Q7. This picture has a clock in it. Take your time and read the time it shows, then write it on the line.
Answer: 4:28
